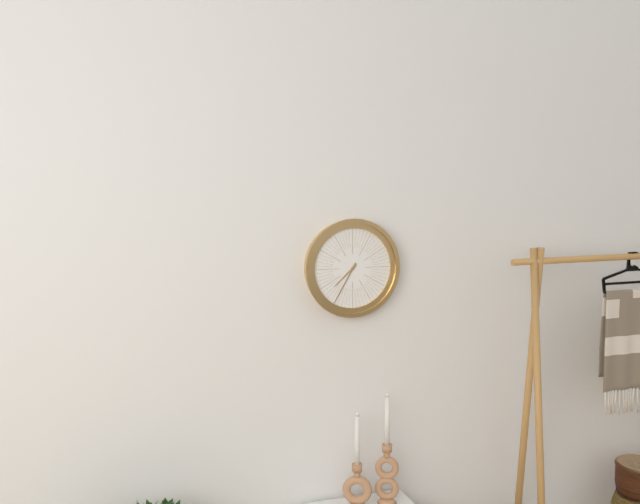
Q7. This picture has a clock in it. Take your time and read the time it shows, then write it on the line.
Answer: 7:35
